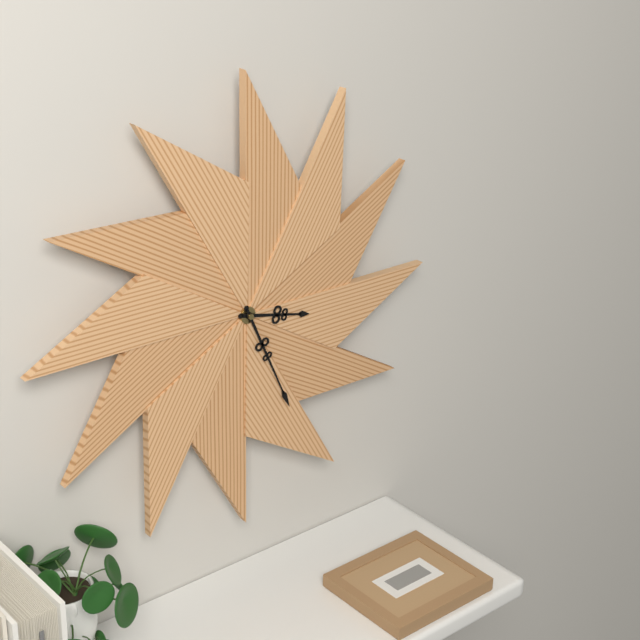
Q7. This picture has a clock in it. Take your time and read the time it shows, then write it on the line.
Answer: 3:26
